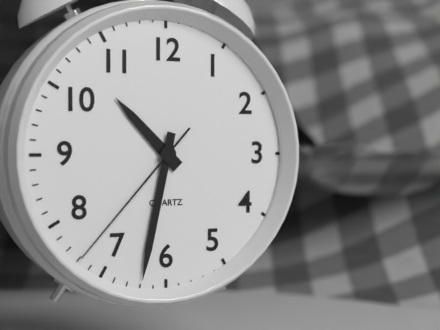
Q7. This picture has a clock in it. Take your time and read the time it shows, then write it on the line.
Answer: 10:32:37
